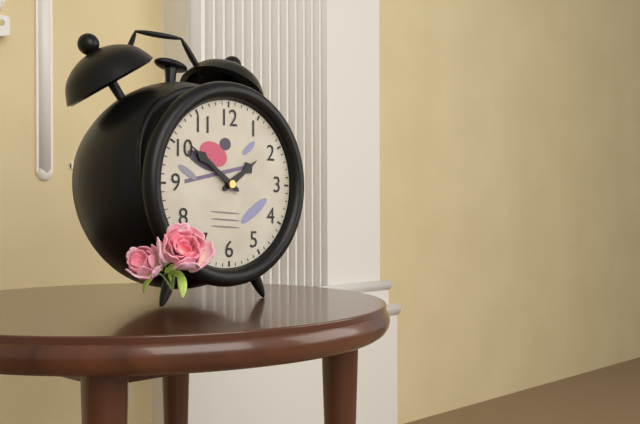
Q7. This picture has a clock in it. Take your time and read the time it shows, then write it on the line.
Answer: 1:51
